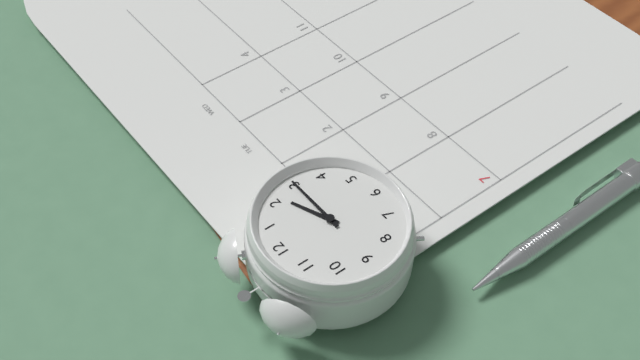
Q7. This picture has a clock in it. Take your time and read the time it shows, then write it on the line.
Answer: 2:15
